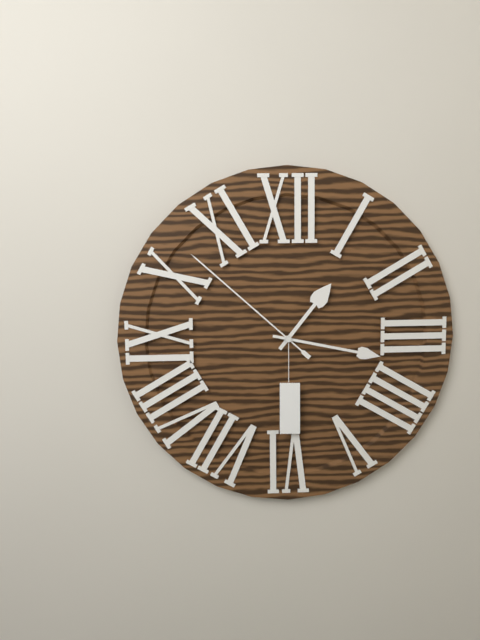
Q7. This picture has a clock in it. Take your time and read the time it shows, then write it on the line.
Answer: 1:17:52
